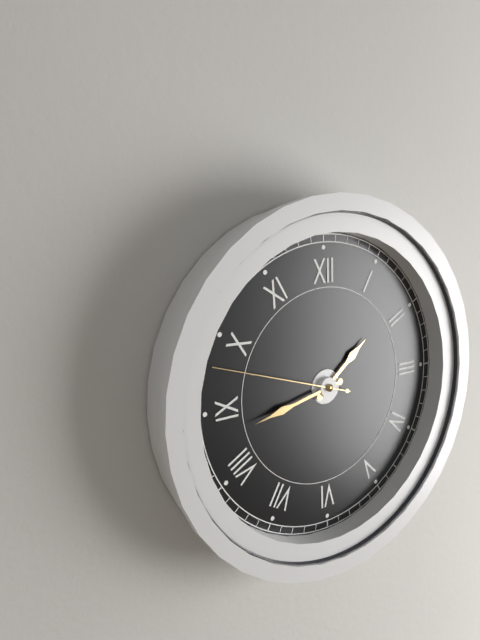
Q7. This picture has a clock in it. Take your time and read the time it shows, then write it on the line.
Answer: 1:43:48
